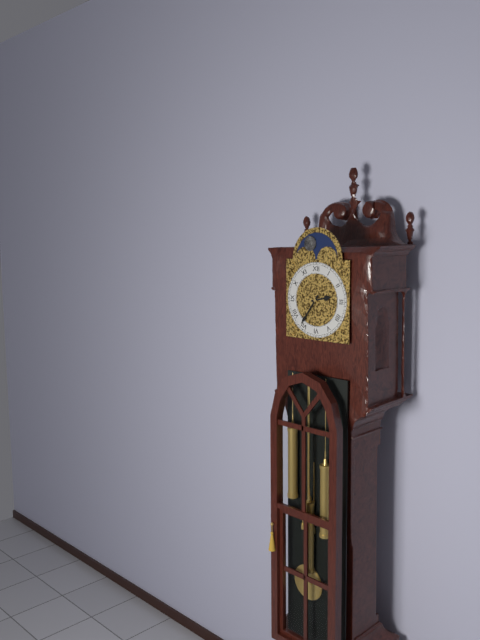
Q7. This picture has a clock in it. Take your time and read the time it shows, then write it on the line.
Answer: 2:36
